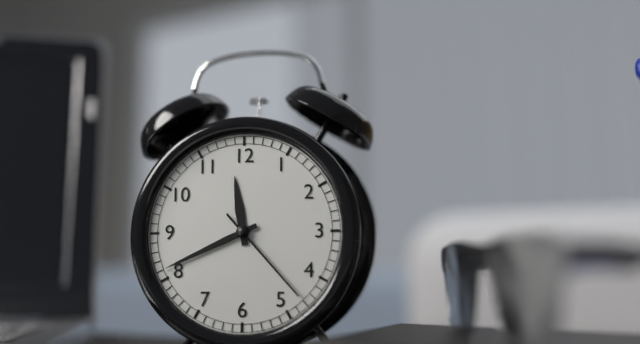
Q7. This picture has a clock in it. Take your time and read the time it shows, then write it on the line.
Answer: 11:41:23
